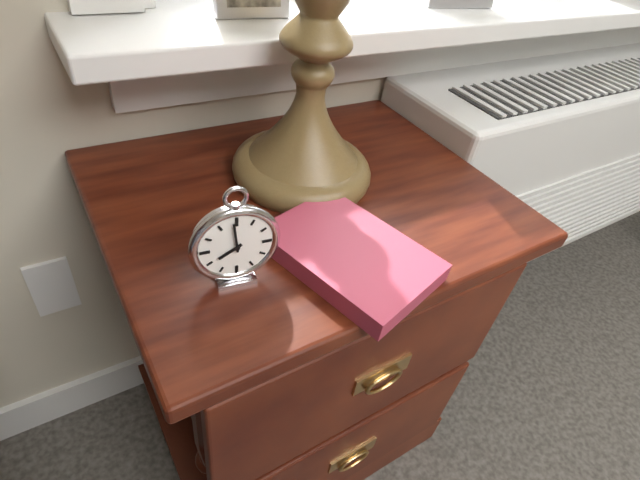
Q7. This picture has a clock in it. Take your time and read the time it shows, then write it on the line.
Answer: 7:59
